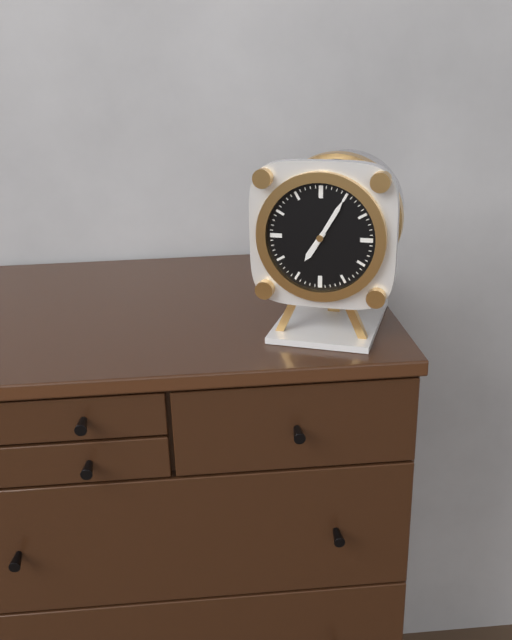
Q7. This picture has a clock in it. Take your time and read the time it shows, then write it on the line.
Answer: 7:05
